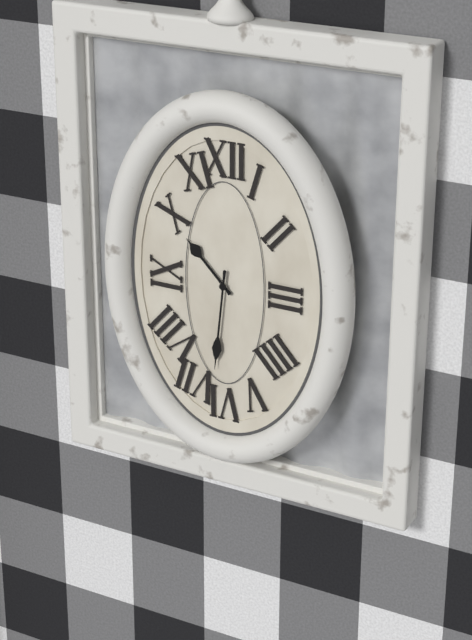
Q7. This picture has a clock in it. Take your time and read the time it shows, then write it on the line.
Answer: 10:31
